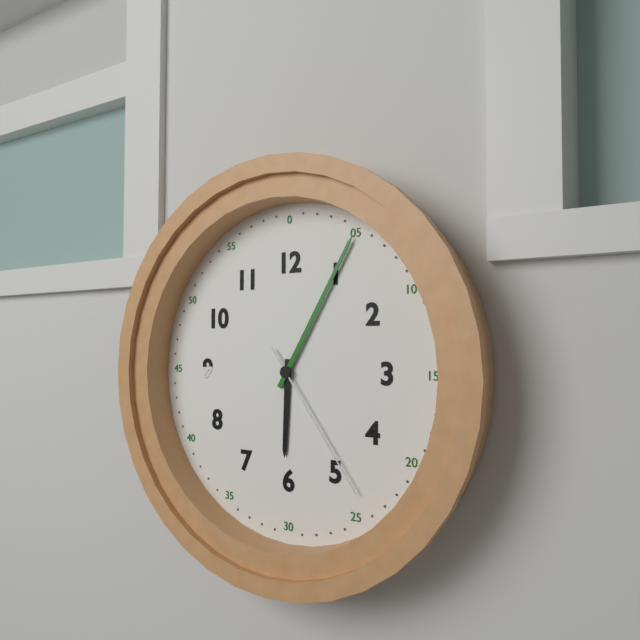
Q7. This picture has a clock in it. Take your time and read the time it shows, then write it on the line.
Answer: 6:05:24
